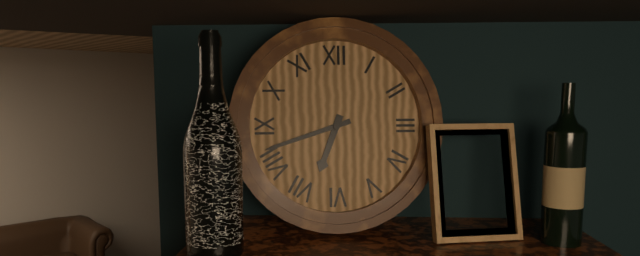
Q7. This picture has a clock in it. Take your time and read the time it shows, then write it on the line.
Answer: 6:42
